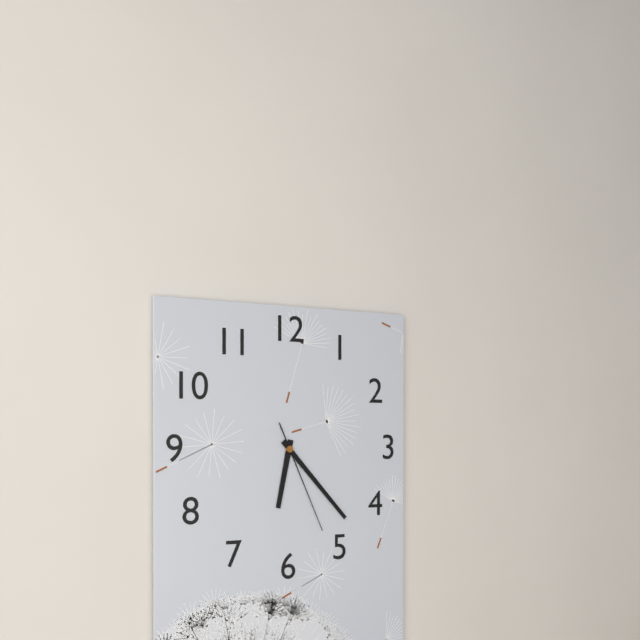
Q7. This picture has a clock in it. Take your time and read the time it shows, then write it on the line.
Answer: 6:23:26
